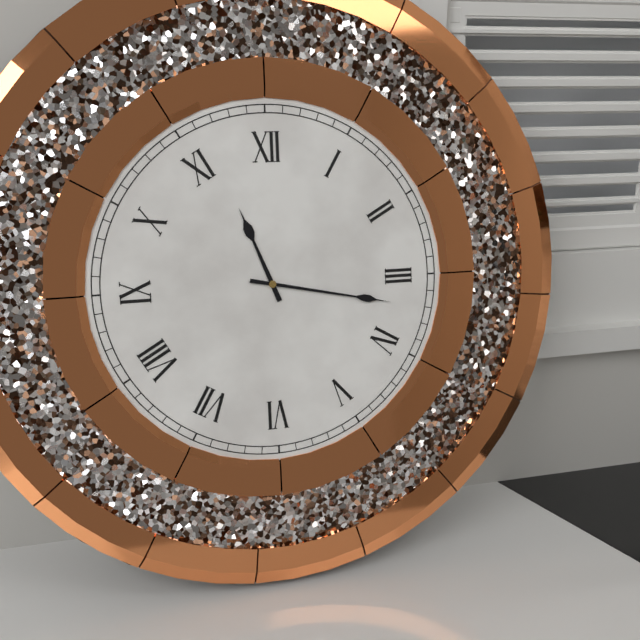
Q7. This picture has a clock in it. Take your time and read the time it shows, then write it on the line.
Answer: 11:17
